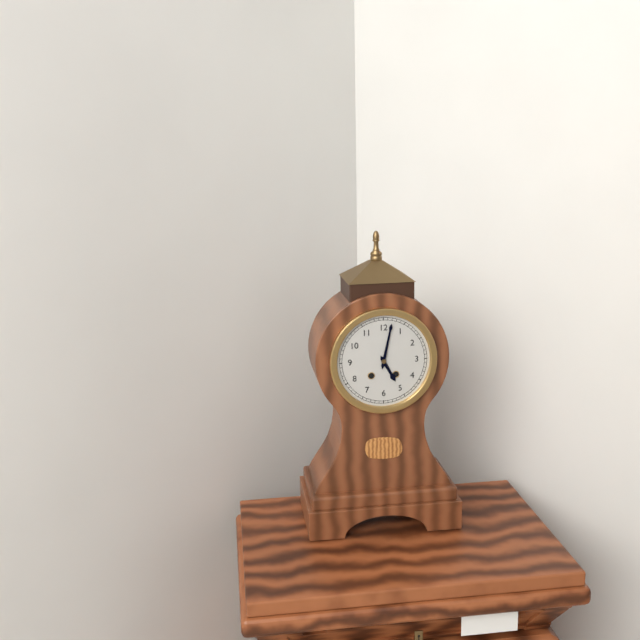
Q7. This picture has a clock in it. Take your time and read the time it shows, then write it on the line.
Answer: 5:02
